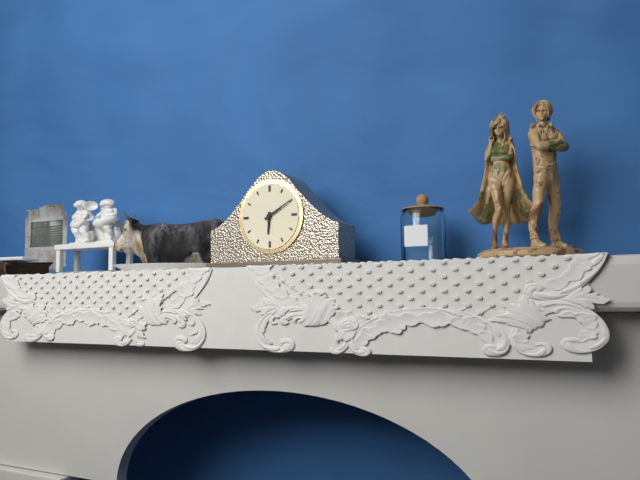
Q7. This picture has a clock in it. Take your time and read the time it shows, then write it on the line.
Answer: 6:10
